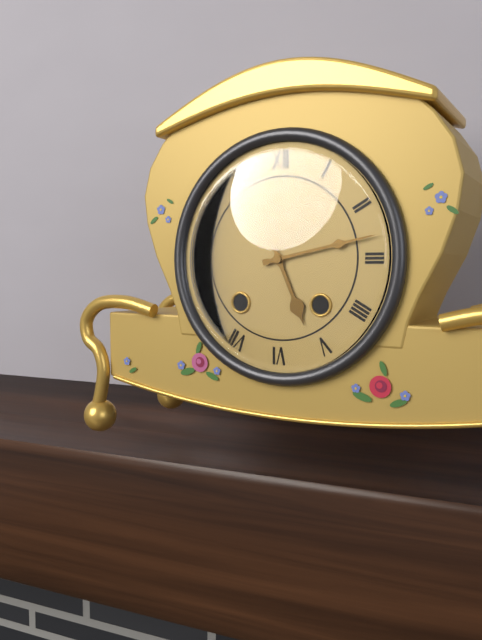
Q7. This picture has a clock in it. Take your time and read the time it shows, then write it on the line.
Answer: 5:13
